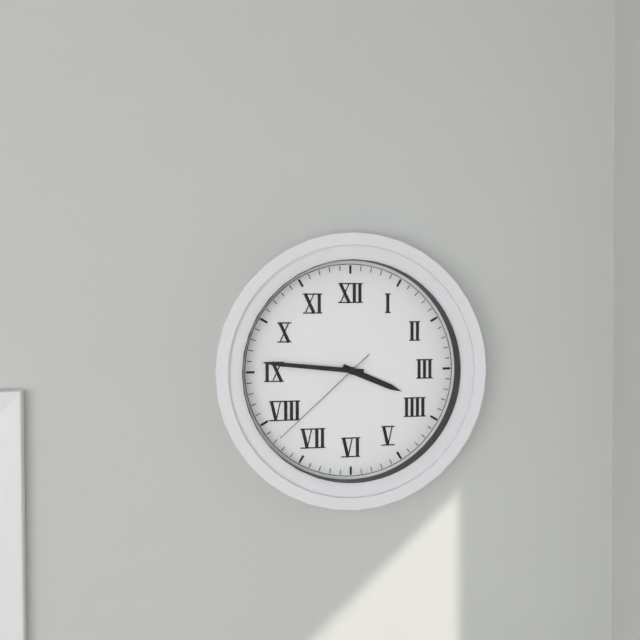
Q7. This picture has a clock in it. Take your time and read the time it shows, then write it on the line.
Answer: 3:46:38
